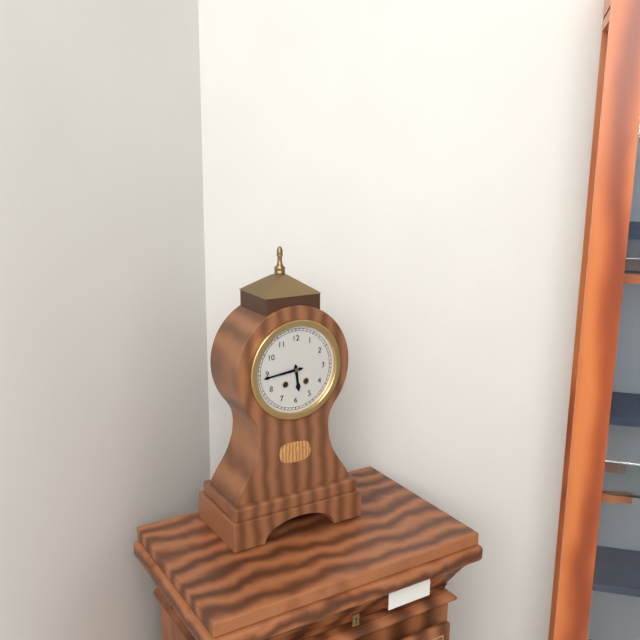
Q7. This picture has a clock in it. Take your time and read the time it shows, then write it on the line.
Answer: 5:44
